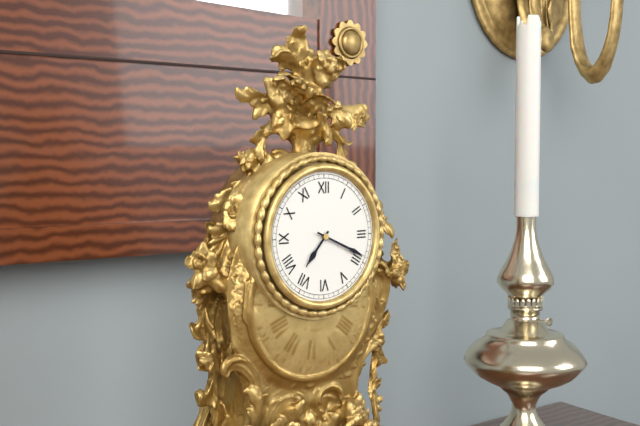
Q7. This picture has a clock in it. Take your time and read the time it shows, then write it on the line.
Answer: 7:19
